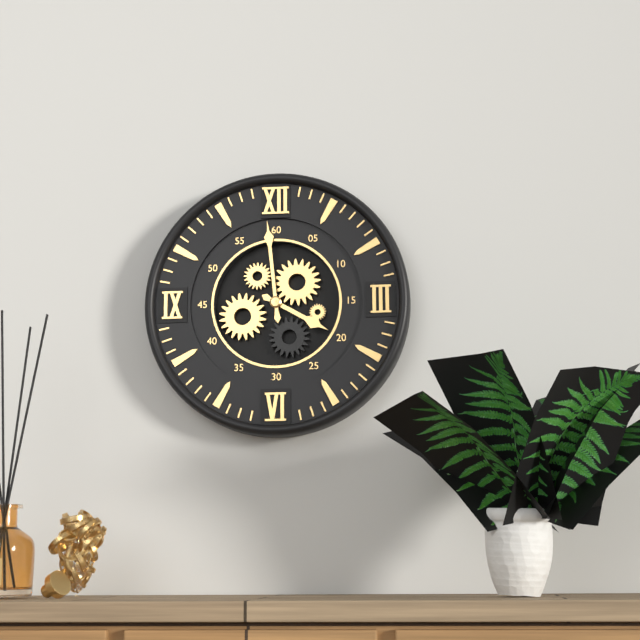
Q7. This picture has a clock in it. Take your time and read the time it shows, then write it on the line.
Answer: 3:59
